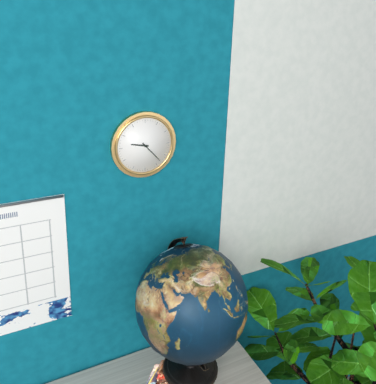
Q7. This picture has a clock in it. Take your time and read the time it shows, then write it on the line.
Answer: 9:23
